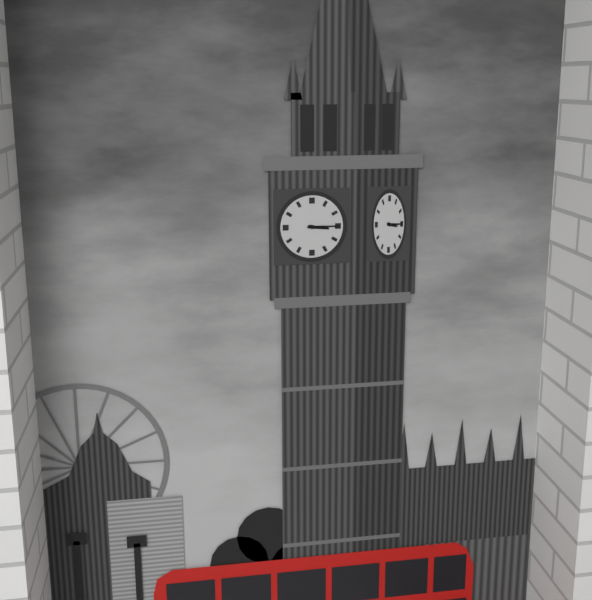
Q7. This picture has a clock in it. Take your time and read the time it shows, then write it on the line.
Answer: 3:15
